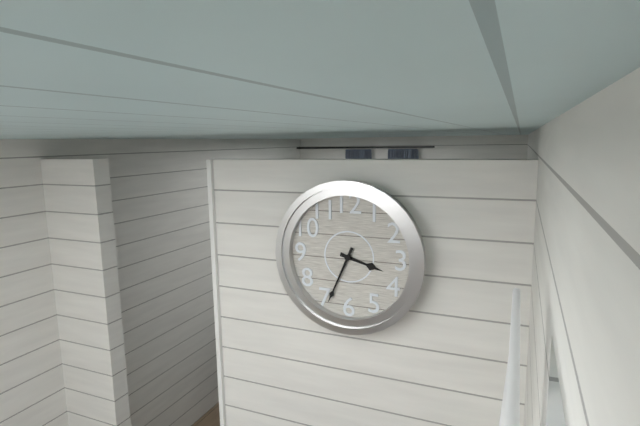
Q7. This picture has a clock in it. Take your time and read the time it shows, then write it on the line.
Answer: 3:34
